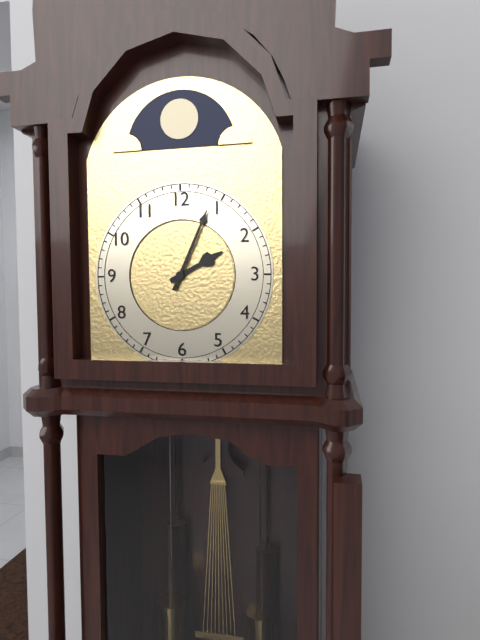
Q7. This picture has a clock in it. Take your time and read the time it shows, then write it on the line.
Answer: 2:04
